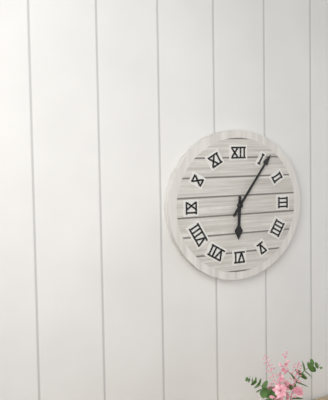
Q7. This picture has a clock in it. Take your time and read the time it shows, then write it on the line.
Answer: 6:06
